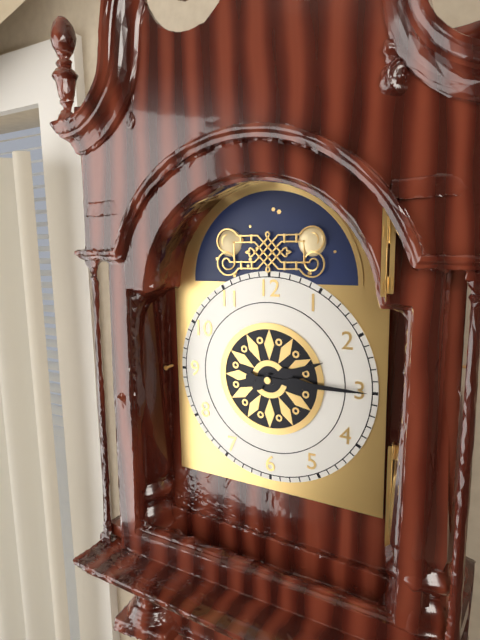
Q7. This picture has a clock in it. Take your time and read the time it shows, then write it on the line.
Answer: 2:15
